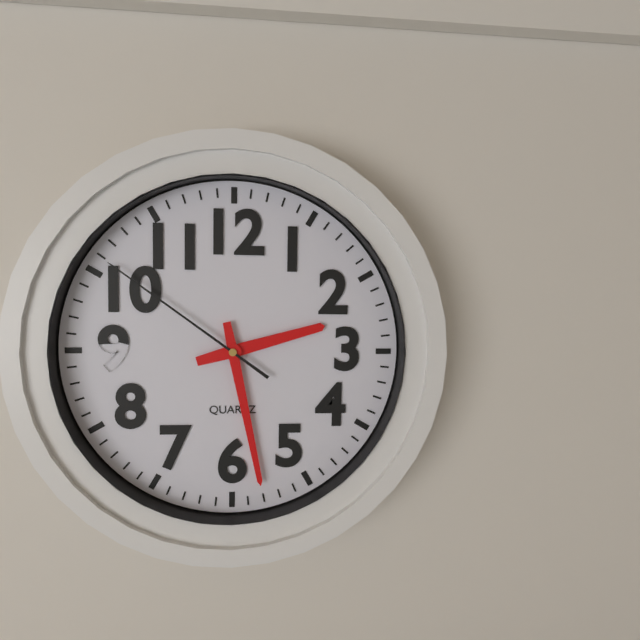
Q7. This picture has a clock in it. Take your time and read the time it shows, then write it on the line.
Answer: 2:28:51
